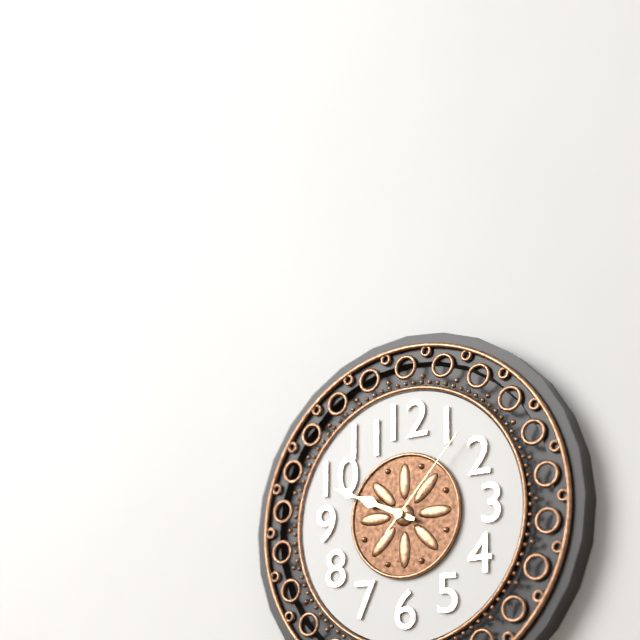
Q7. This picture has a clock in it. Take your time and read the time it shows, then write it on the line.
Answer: 9:49:07
